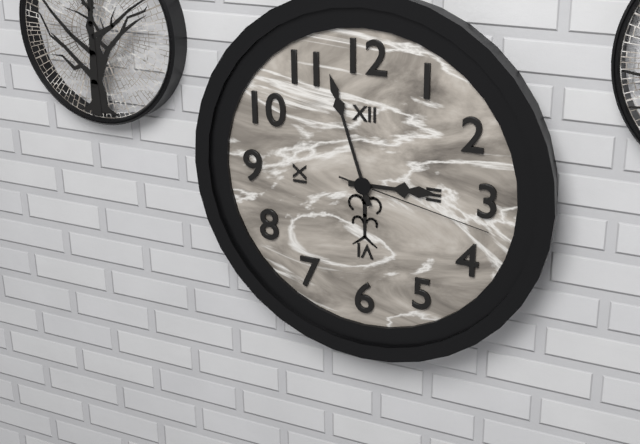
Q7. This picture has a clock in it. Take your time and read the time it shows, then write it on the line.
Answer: 2:57:17
